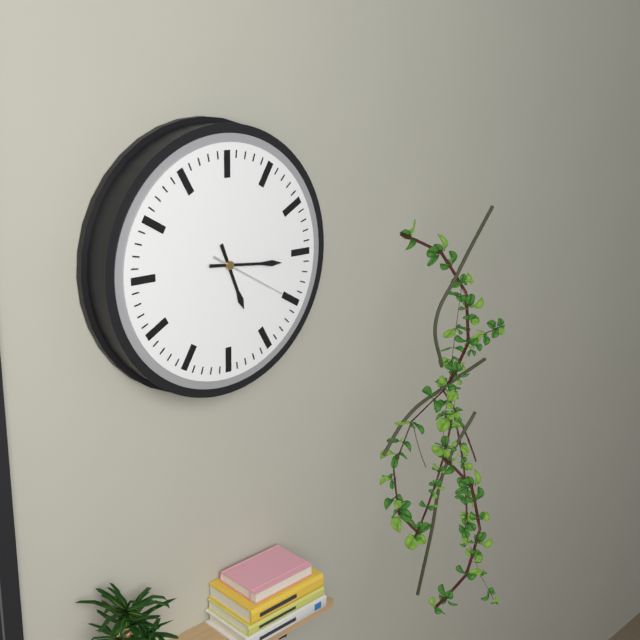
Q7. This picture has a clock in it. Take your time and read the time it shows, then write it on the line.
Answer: 5:16:20
